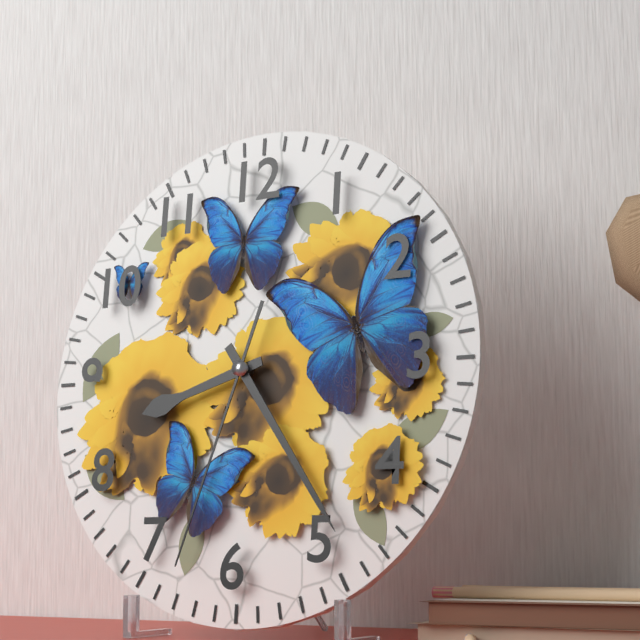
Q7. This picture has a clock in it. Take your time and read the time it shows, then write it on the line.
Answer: 8:24:33
